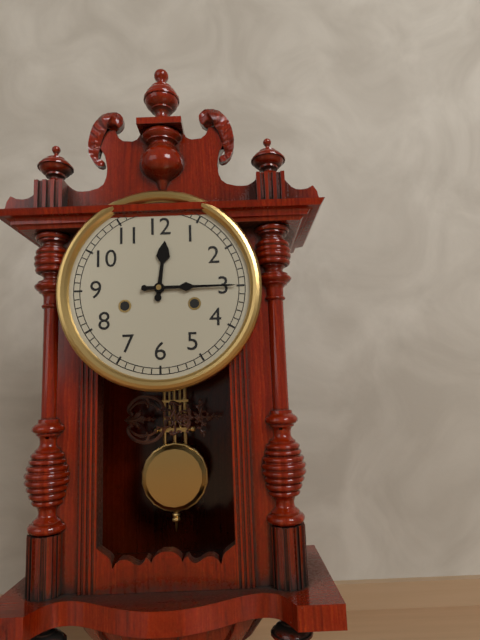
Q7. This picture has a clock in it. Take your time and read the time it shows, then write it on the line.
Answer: 12:15
